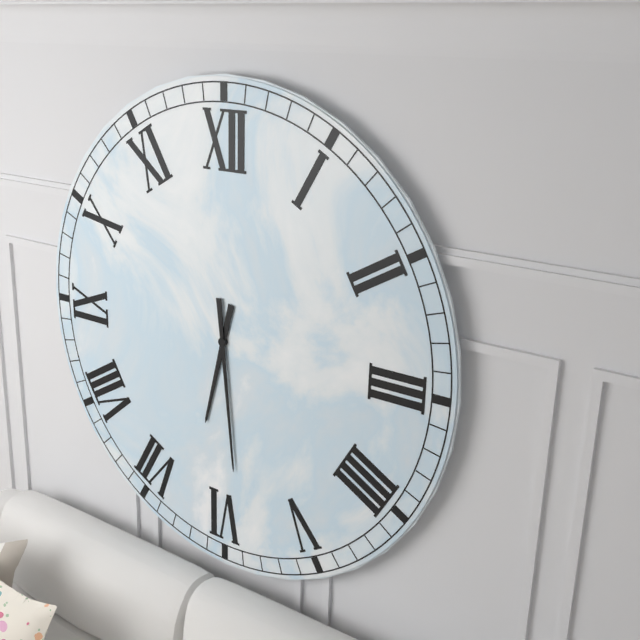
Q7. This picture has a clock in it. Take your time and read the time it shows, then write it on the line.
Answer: 6:29
